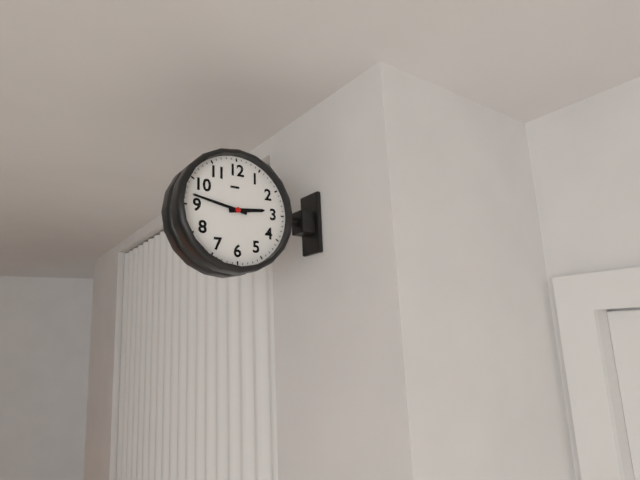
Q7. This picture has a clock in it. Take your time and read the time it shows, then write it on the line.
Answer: 2:47
